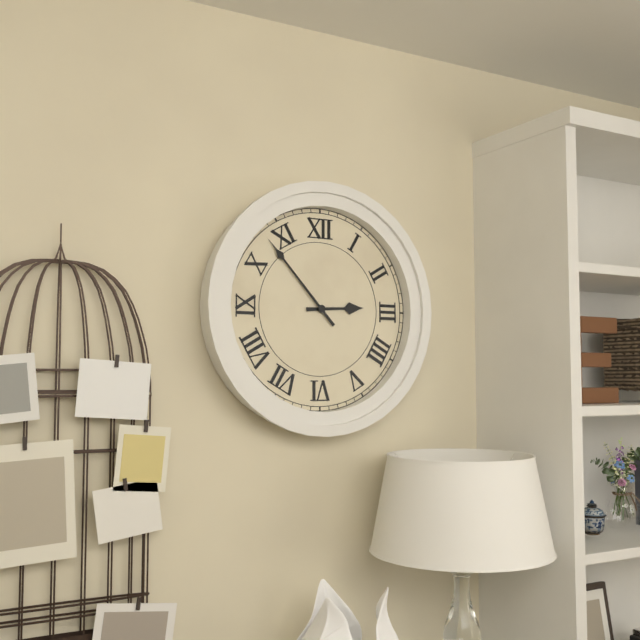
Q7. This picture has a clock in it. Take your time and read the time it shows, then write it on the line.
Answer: 2:53
